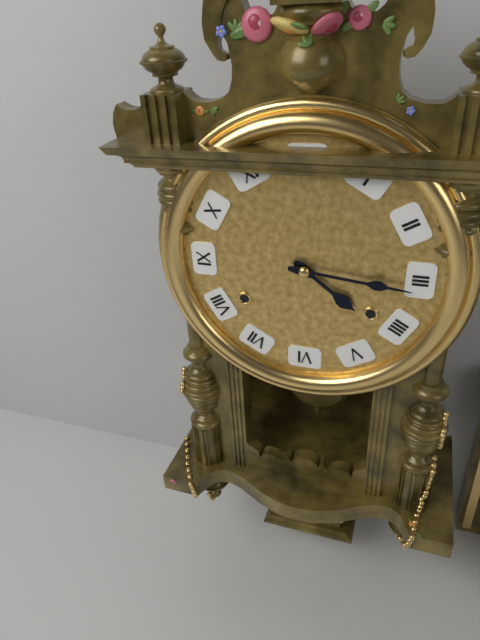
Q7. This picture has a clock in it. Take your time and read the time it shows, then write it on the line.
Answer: 4:16
